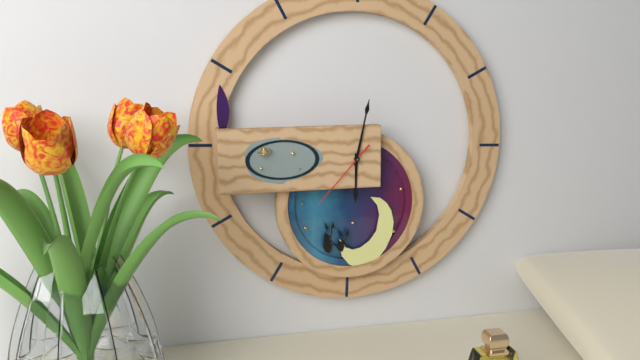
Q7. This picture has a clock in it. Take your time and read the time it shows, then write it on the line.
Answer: 6:02:37
